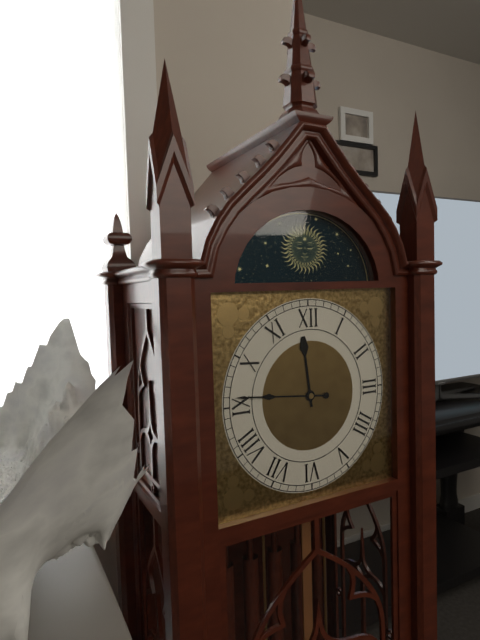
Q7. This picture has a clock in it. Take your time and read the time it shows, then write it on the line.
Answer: 11:46
